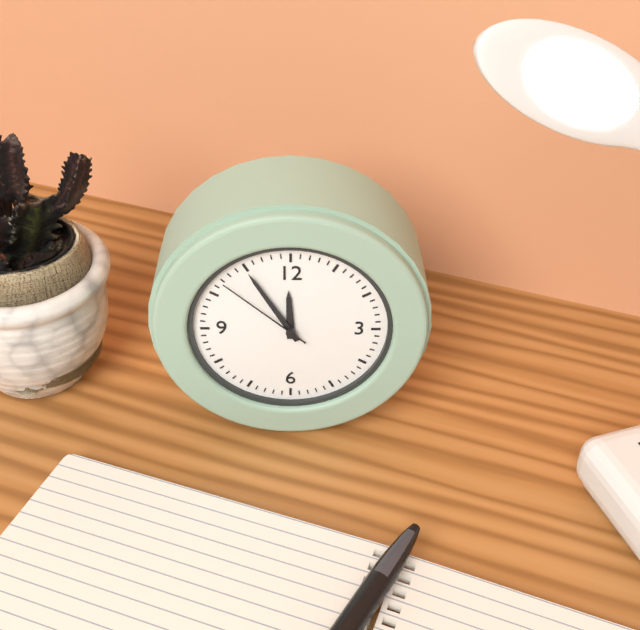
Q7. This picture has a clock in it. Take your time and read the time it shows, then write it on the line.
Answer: 11:55:52
